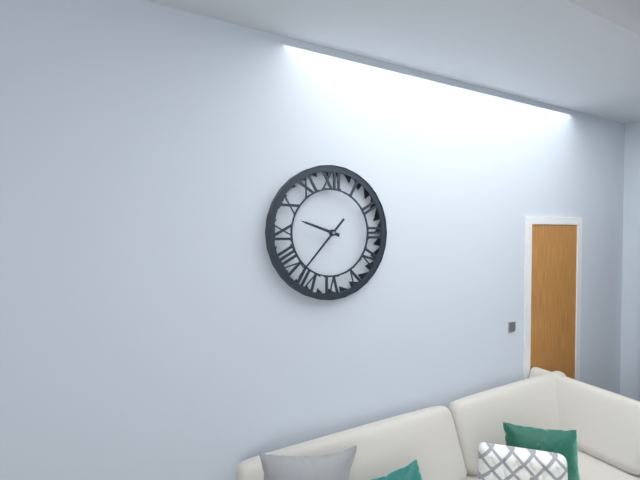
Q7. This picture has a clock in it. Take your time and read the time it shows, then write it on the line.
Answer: 9:37
